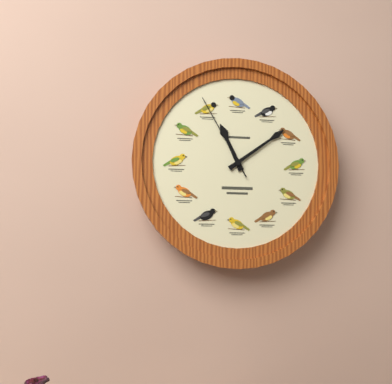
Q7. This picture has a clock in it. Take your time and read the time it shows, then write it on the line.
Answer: 11:09:55
